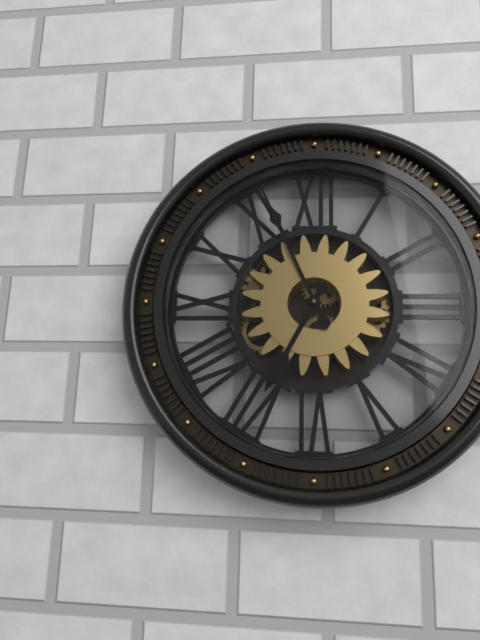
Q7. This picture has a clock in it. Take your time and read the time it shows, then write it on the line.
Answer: 6:56
